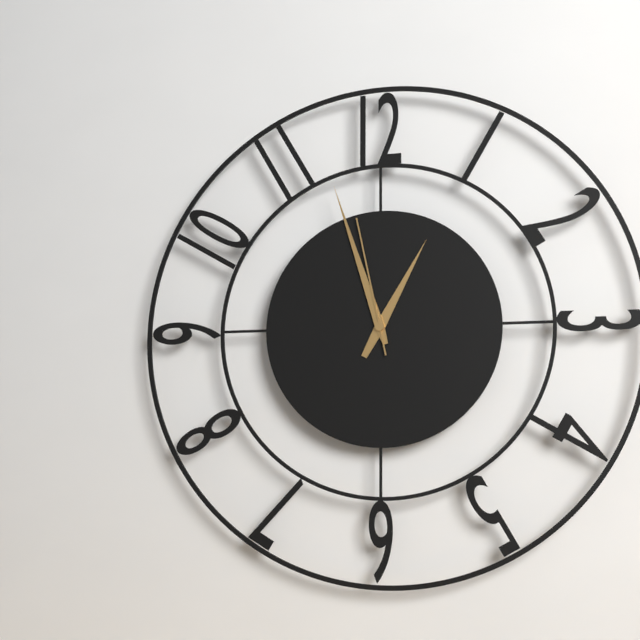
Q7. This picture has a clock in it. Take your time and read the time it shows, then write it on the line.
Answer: 12:57:58
